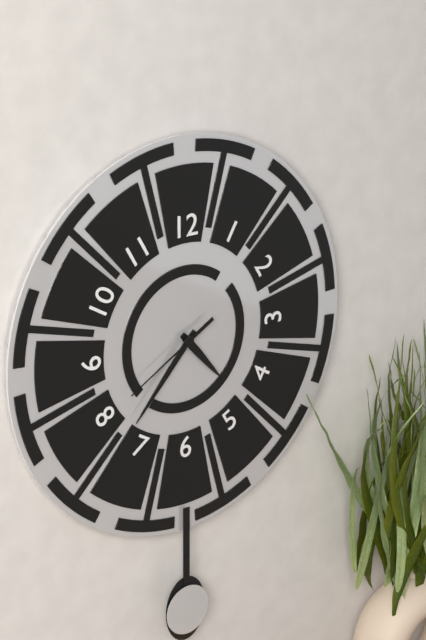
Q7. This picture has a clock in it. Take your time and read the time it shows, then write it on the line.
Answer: 4:37:40
